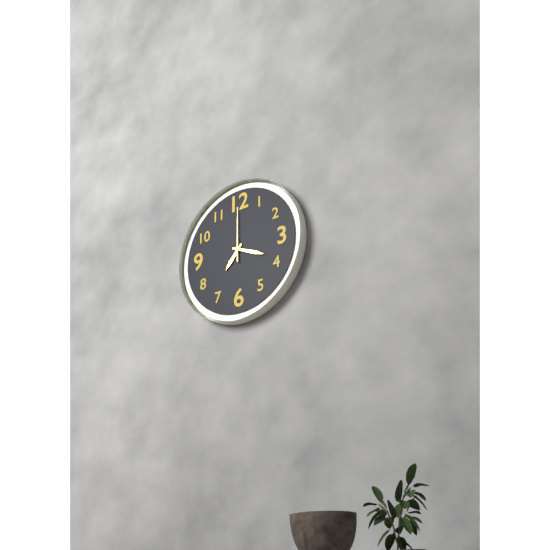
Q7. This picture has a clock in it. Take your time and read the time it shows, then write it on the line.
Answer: 7:19:00
